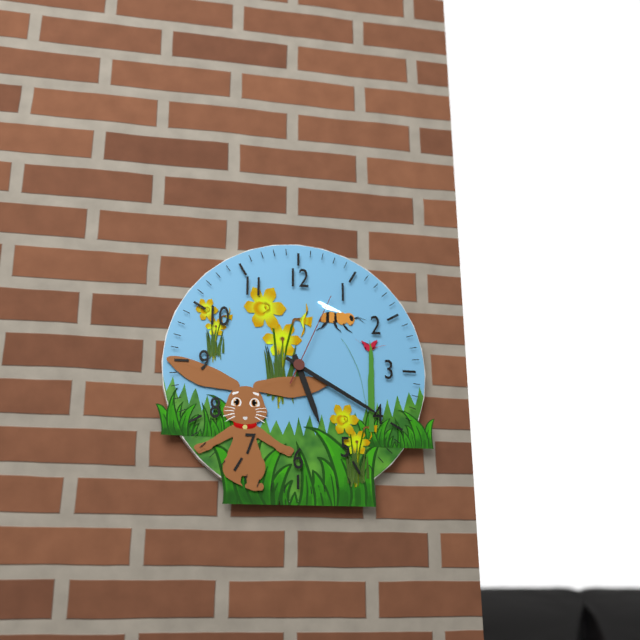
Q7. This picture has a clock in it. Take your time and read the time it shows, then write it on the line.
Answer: 5:20:04
